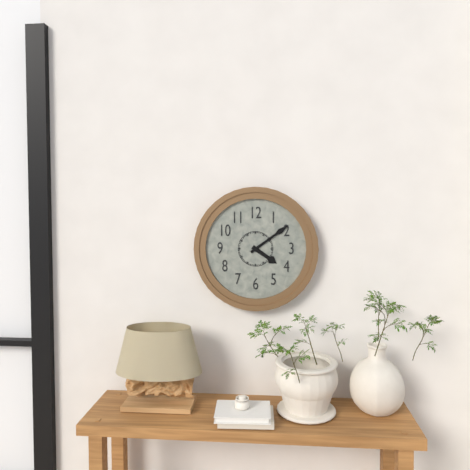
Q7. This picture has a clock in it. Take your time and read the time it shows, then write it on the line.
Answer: 4:09
